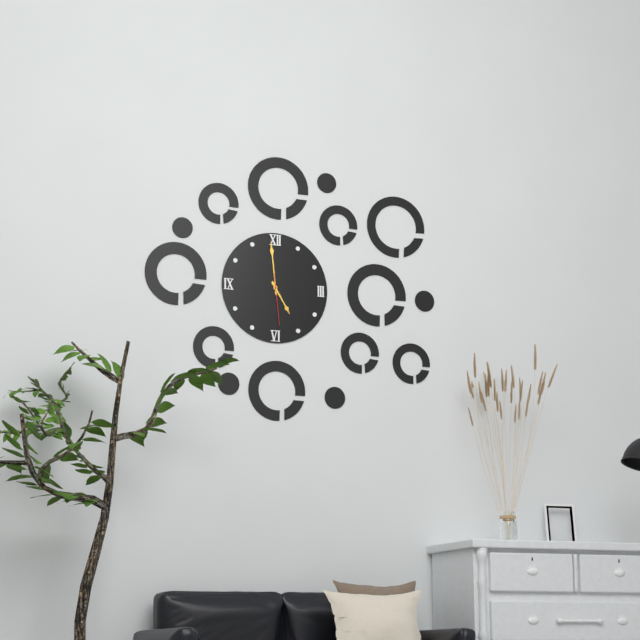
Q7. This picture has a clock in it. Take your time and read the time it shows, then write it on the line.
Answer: 4:59
